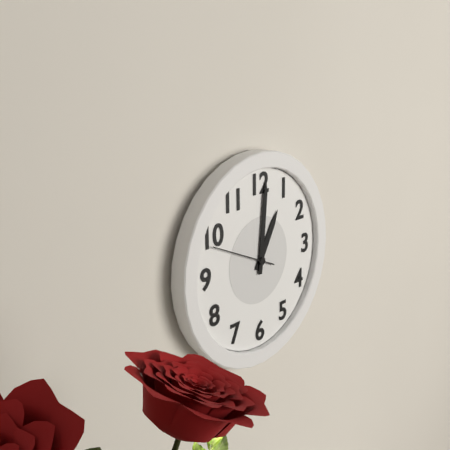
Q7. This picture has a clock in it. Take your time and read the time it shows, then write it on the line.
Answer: 1:01:49
